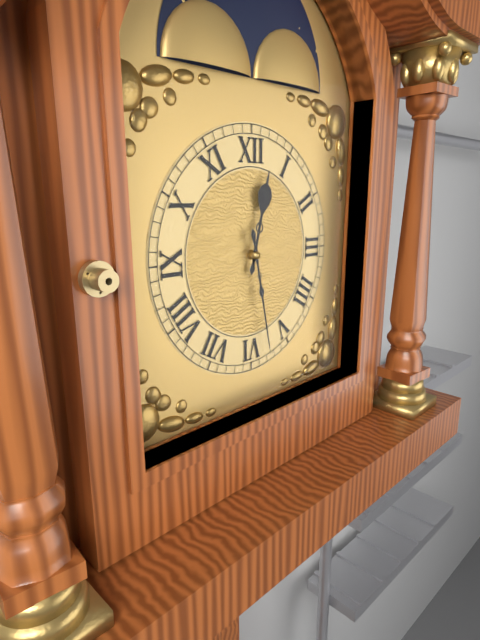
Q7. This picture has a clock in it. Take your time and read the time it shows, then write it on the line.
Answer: 12:28
